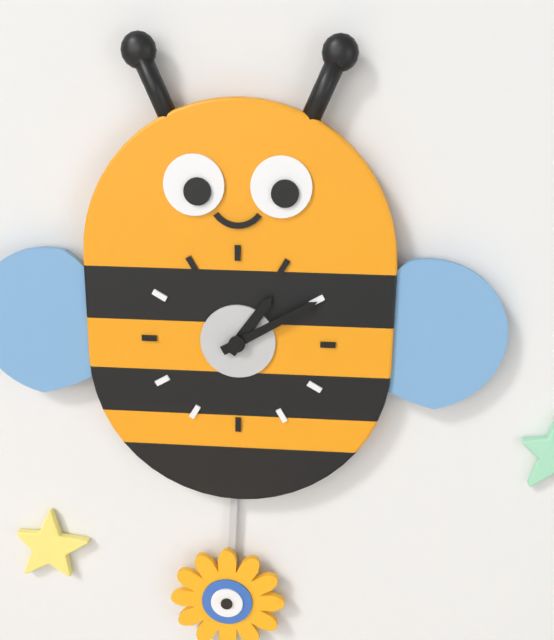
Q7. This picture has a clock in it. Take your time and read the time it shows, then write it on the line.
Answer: 1:10
